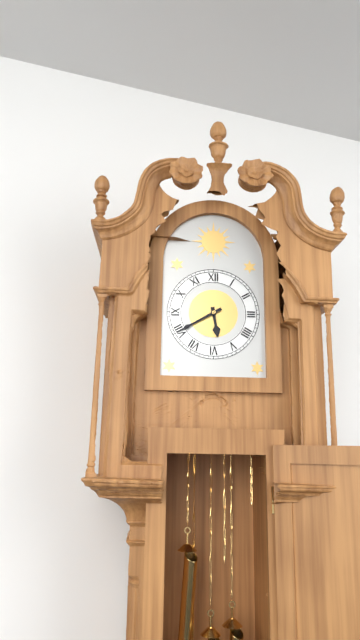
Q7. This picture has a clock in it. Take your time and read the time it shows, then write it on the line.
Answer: 5:40
